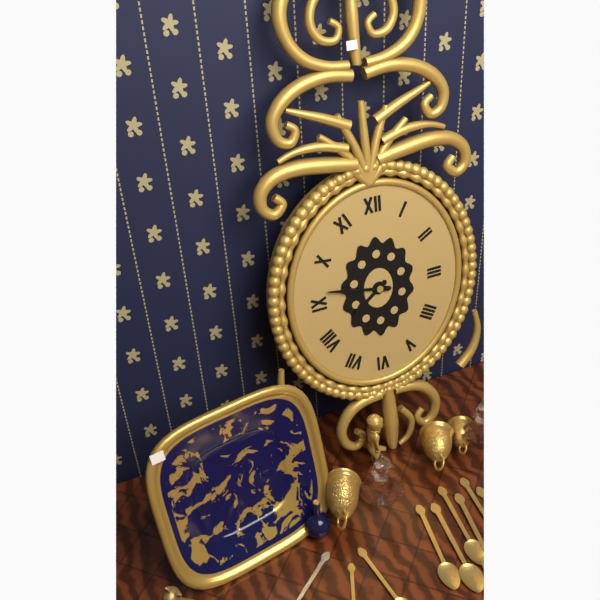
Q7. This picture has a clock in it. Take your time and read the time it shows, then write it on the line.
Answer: 7:47
